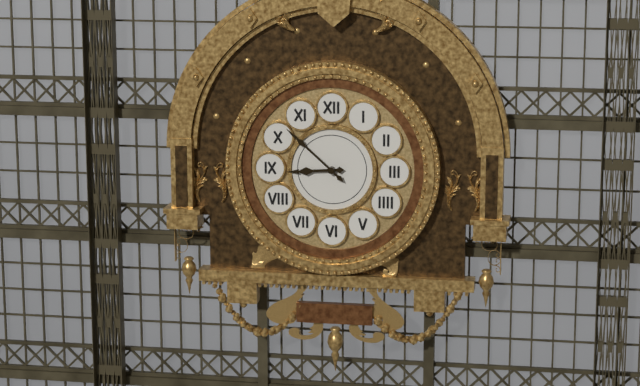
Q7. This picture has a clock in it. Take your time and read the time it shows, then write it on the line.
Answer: 8:52
